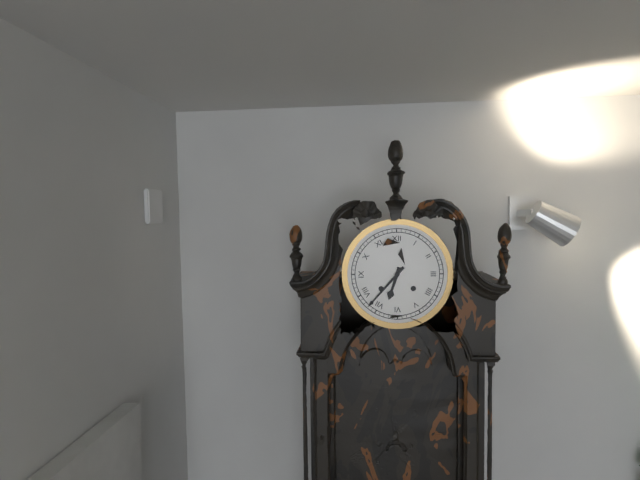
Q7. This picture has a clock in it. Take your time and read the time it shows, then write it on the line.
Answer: 6:37
